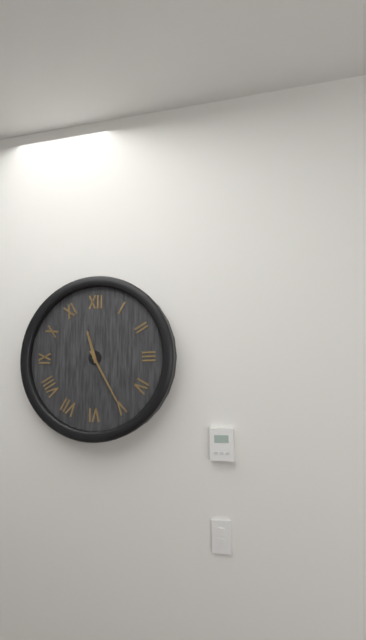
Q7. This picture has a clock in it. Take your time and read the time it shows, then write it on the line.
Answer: 11:25
